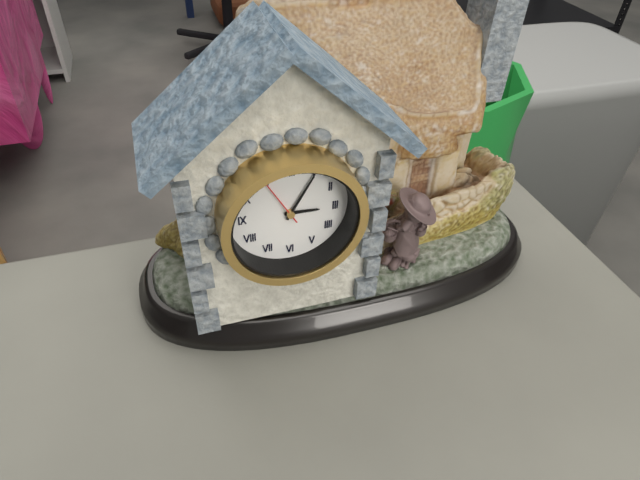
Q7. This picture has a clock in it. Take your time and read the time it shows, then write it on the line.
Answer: 3:05:55
